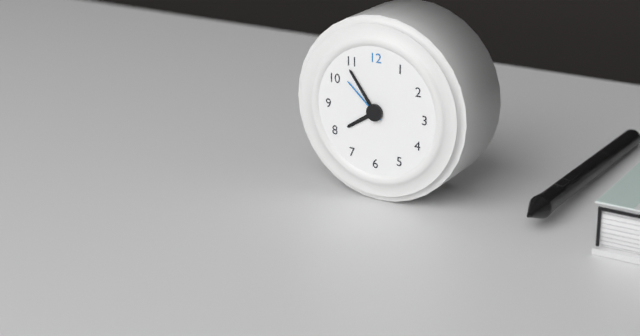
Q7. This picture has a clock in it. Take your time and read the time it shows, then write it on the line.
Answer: 7:54:52
